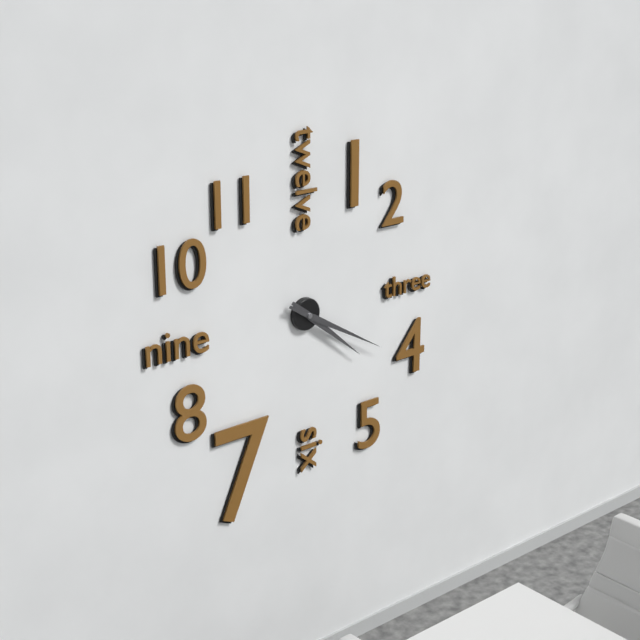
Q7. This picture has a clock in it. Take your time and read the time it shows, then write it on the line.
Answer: 4:20
